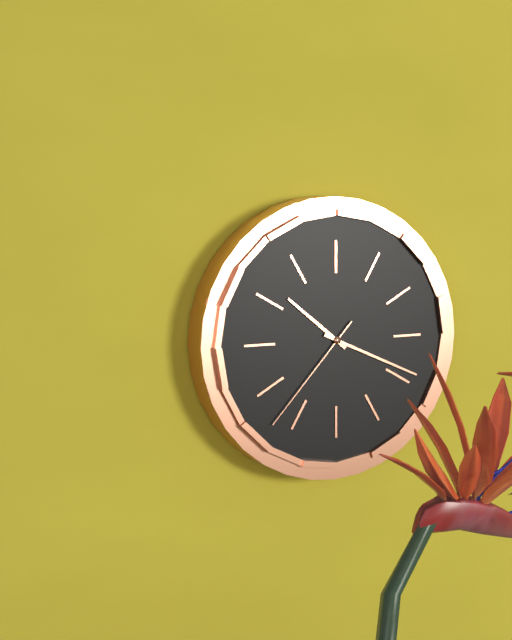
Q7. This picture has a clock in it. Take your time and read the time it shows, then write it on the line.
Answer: 10:19:37
